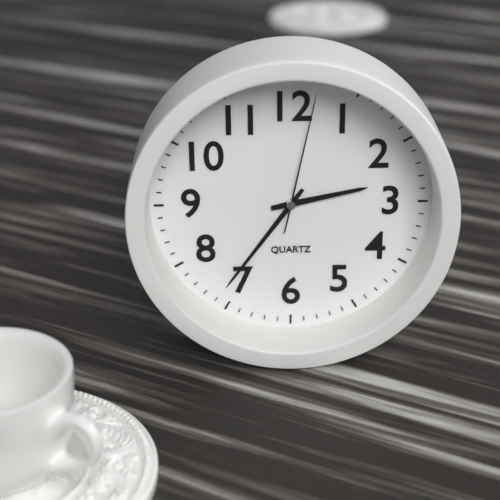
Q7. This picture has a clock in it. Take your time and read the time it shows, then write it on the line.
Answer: 2:36:02
